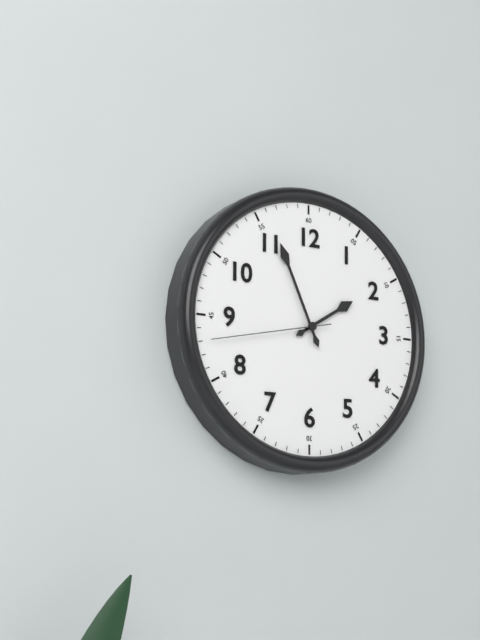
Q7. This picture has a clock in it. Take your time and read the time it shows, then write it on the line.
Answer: 1:56:43
